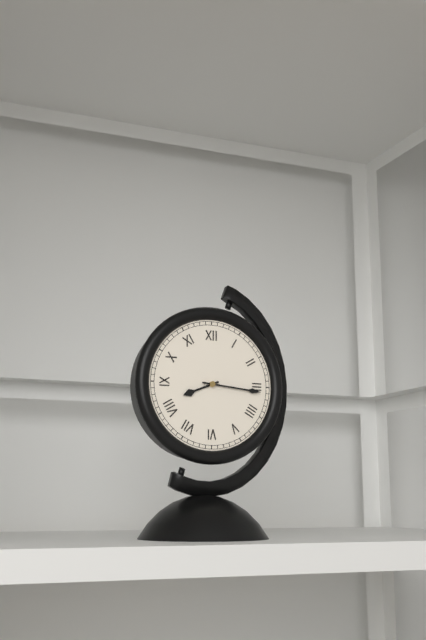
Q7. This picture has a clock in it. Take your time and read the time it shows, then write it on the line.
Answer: 8:16
